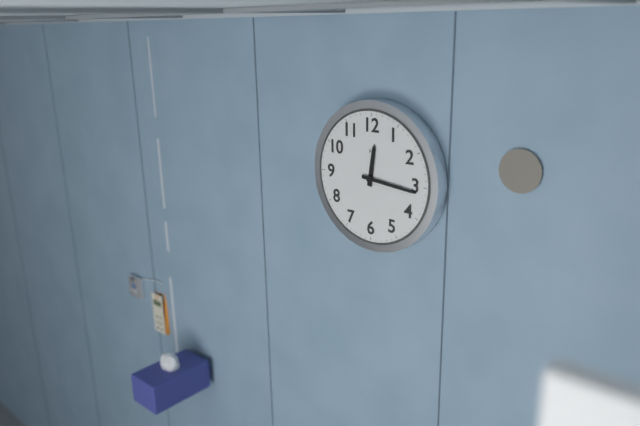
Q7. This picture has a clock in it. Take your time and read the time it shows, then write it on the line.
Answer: 12:16
